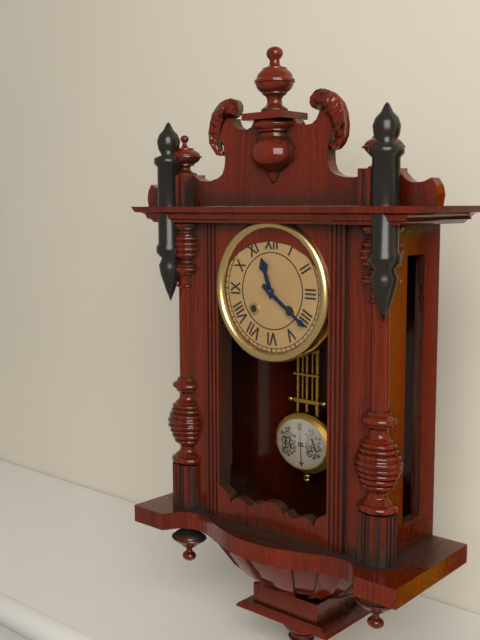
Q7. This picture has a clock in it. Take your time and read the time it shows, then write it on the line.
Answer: 11:21
